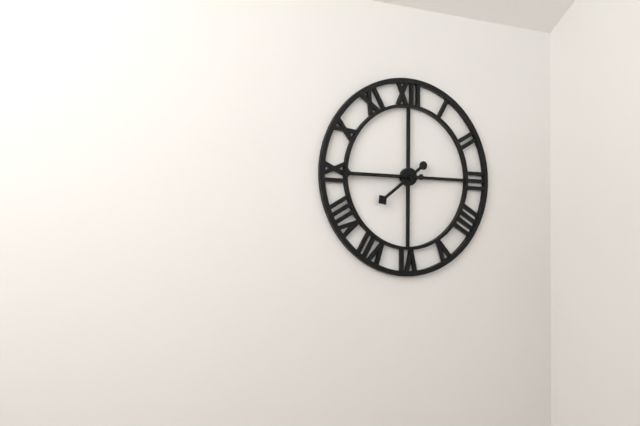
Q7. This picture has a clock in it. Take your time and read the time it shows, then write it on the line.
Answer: 7:45
